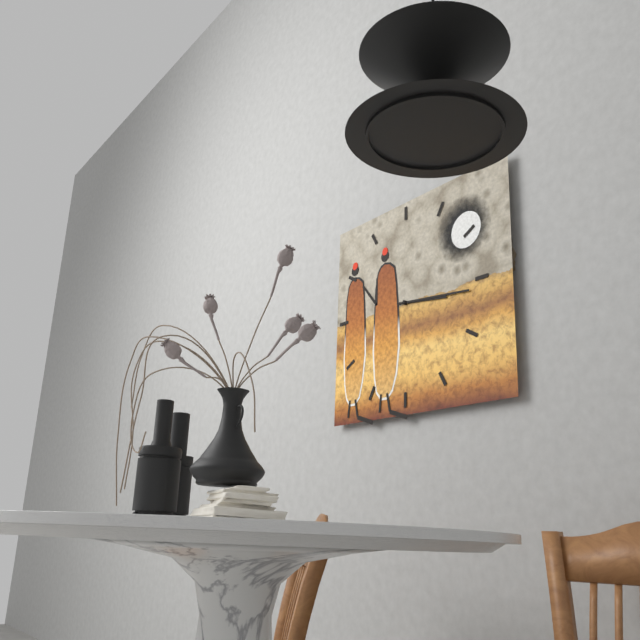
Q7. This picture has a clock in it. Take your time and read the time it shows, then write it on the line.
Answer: 3:16
